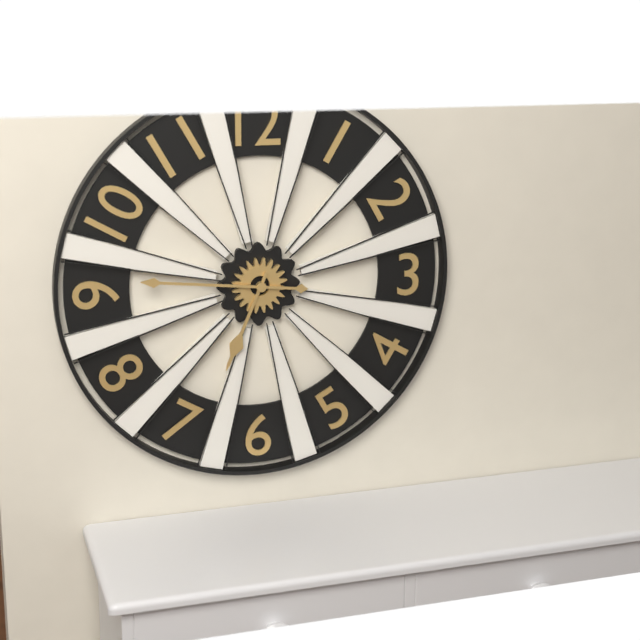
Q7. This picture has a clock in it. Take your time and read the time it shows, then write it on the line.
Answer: 6:46
